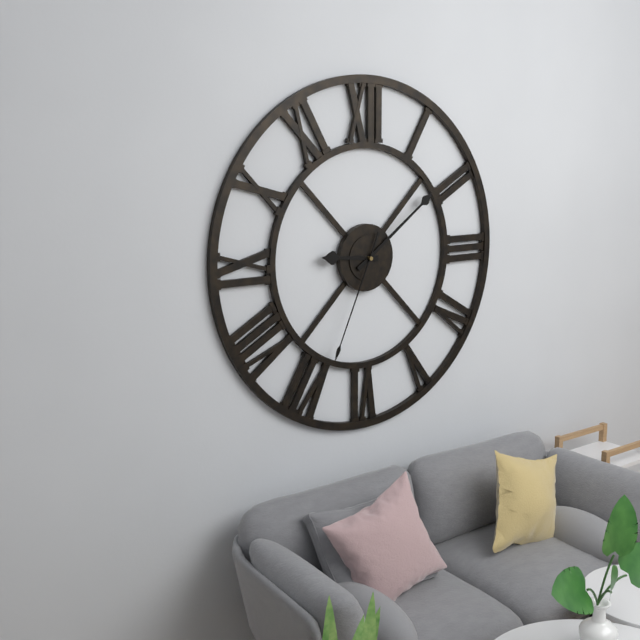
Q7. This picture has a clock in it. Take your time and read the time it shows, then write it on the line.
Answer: 9:09:34
